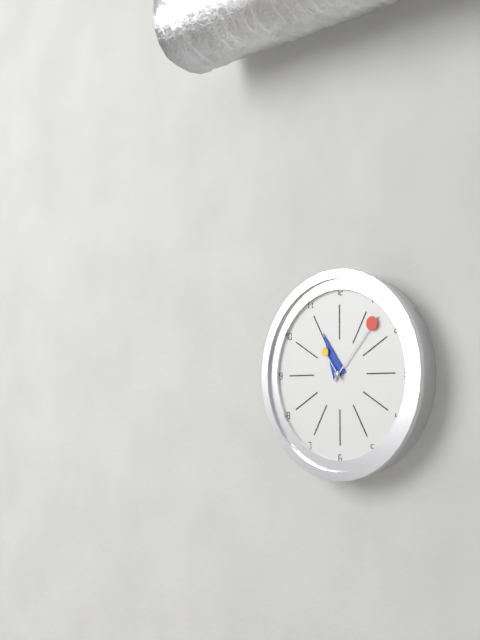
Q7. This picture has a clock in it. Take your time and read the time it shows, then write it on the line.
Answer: 11:07:54
